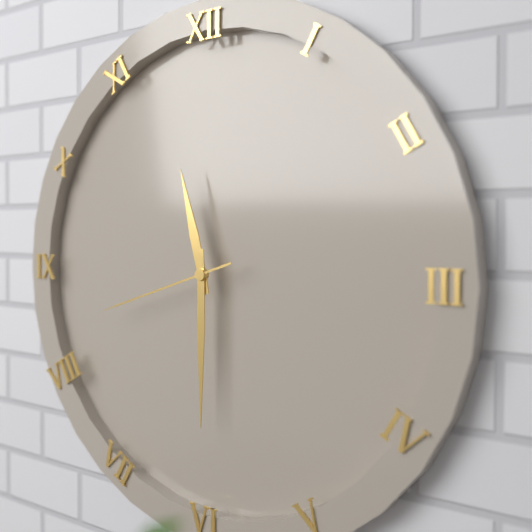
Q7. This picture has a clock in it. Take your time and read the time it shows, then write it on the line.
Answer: 11:30:42
